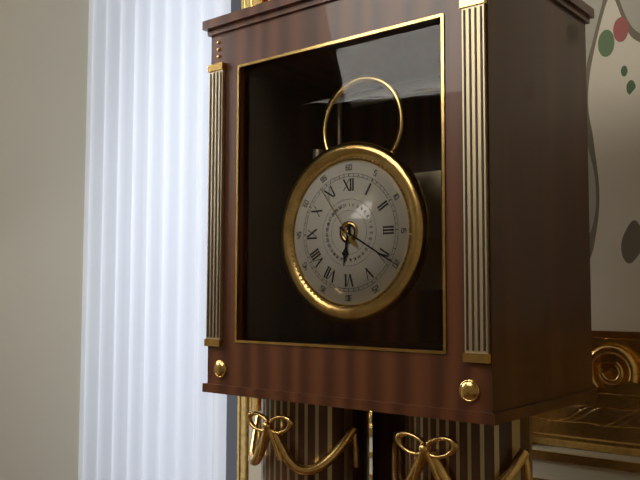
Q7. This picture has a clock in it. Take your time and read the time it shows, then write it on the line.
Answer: 6:20:54
